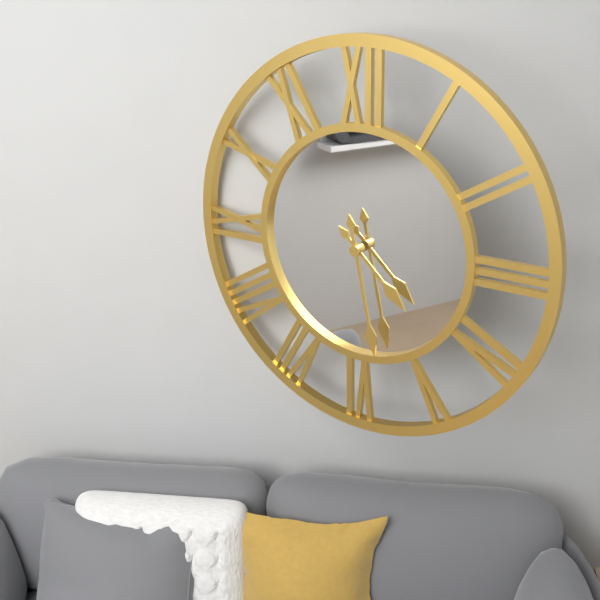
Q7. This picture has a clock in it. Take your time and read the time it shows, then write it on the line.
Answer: 4:28
